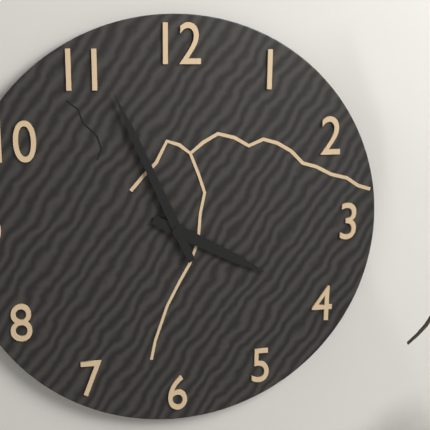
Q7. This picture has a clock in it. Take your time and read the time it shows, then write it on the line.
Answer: 3:56
